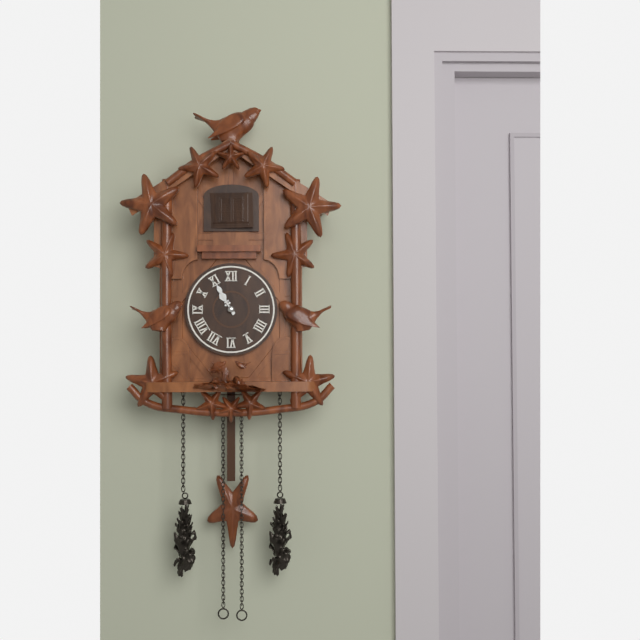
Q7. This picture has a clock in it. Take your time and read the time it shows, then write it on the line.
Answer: 10:55
